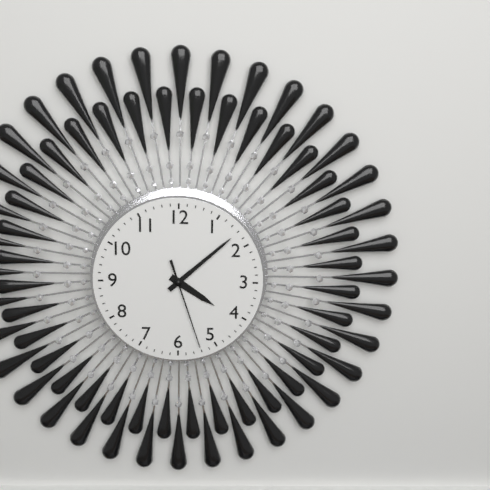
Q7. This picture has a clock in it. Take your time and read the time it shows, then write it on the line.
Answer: 4:08:27
